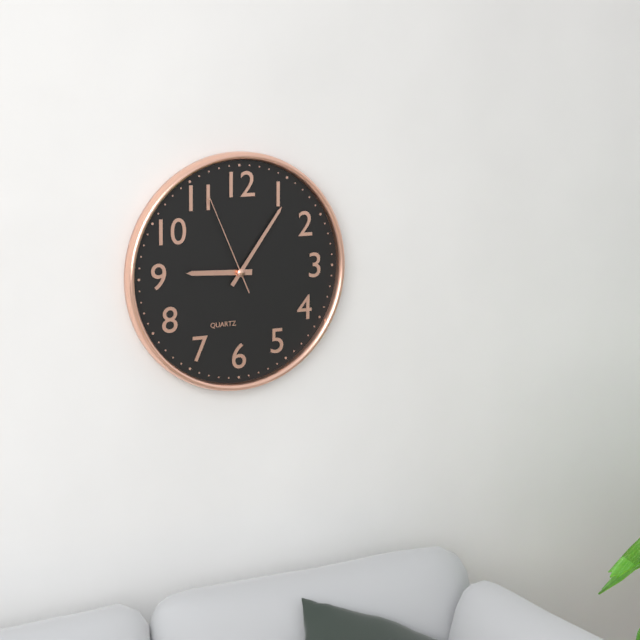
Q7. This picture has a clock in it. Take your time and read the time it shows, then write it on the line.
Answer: 9:06:56
